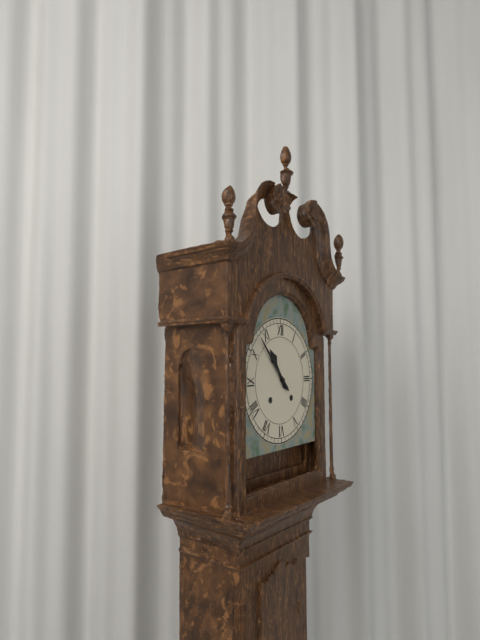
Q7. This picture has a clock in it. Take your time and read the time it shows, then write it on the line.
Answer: 10:53
